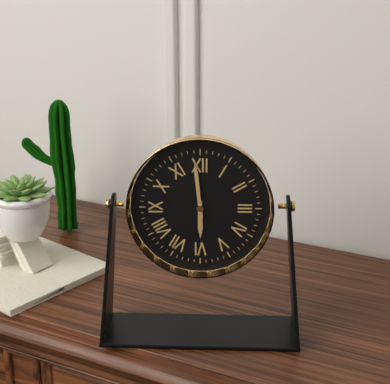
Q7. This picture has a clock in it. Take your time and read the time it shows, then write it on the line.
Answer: 5:59
